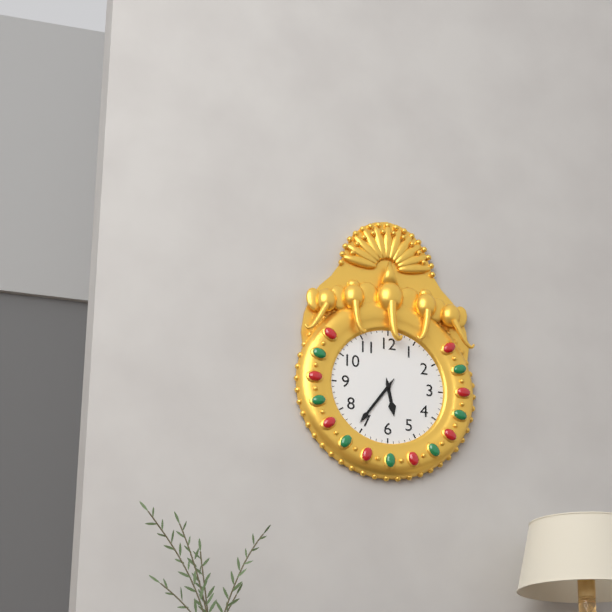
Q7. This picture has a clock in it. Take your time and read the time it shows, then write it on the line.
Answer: 5:36
